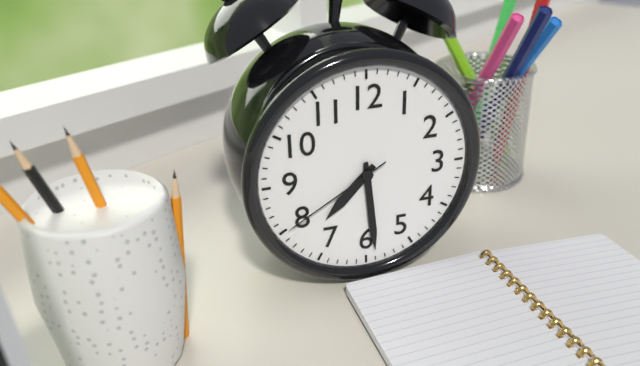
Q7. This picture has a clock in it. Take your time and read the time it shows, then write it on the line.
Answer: 7:29:40
